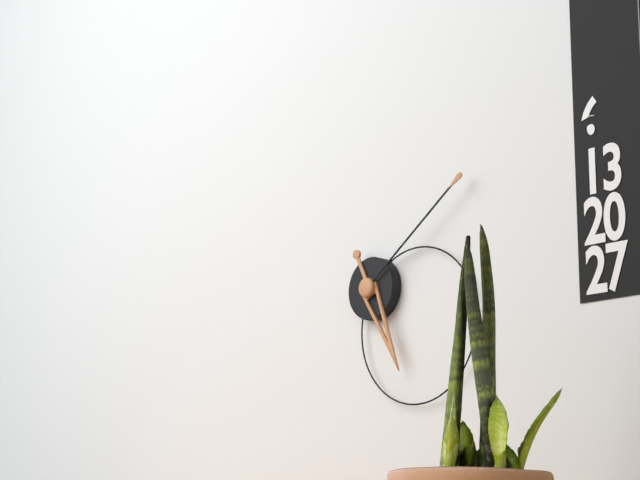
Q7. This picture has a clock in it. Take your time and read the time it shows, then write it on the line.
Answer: 5:09
